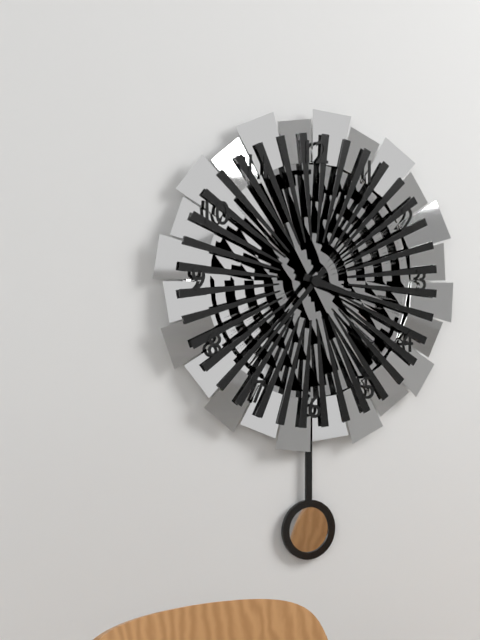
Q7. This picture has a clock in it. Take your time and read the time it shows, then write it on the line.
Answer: 3:37
